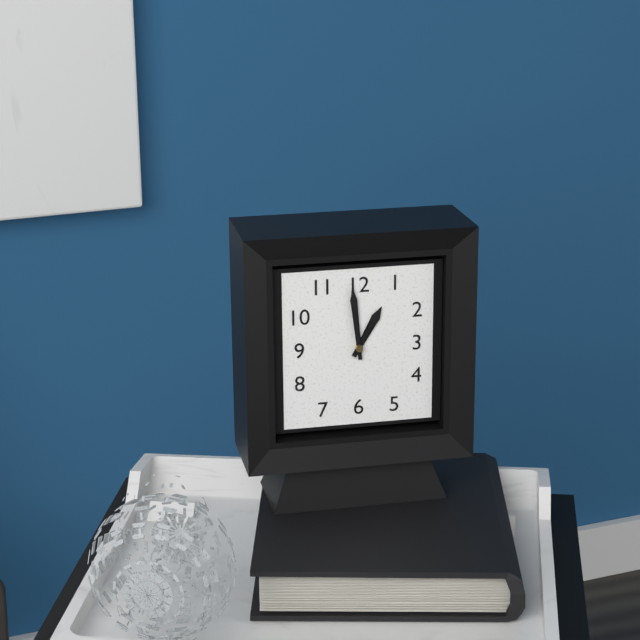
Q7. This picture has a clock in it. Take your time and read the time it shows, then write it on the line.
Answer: 12:59
